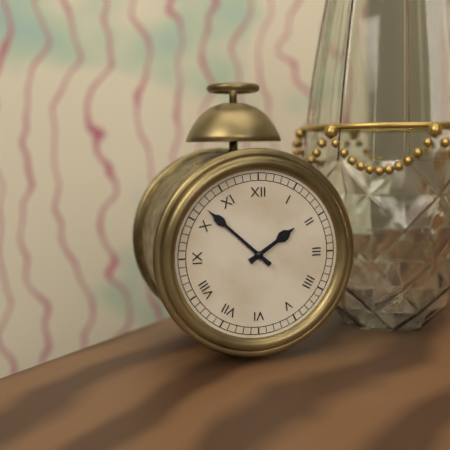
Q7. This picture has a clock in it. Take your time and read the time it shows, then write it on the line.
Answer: 1:52
